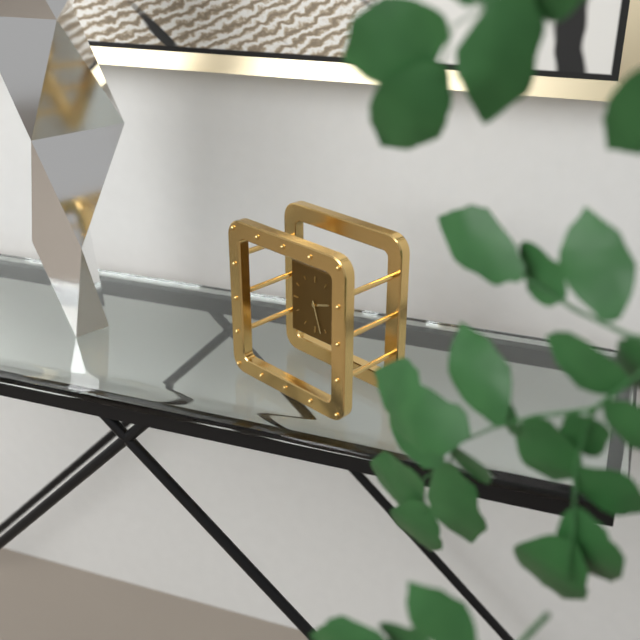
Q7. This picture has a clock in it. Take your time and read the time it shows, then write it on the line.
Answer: 2:27
